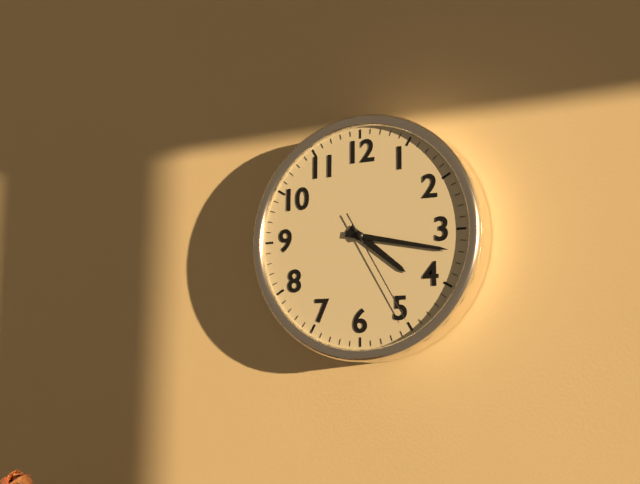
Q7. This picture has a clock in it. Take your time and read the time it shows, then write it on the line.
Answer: 4:17:25
